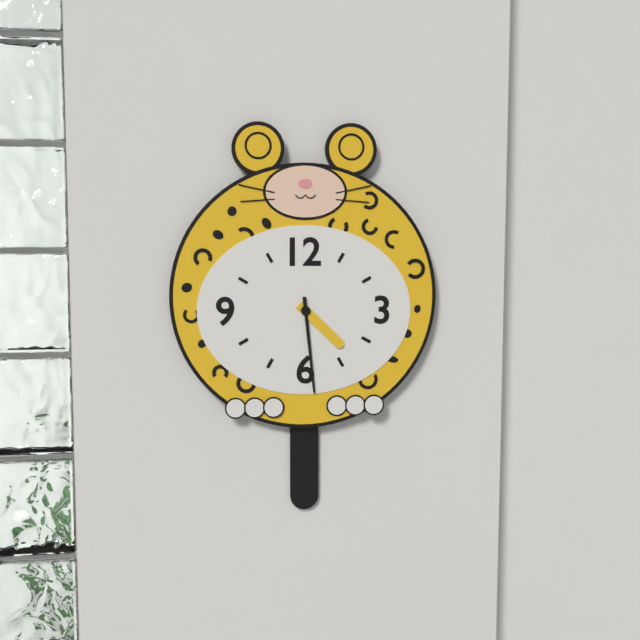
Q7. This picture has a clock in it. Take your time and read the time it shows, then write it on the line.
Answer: 4:29
